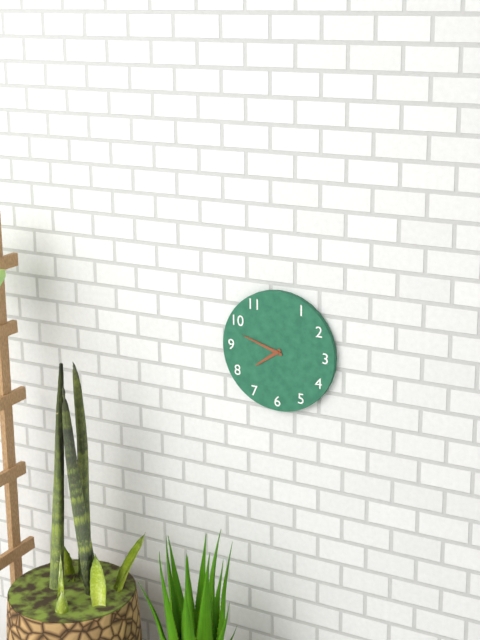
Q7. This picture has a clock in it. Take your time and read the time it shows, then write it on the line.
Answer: 7:48
